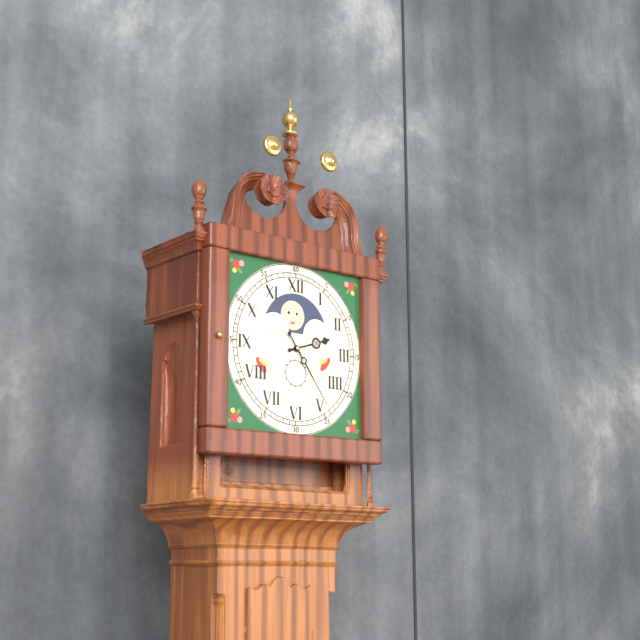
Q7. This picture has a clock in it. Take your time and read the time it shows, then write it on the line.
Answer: 2:24
